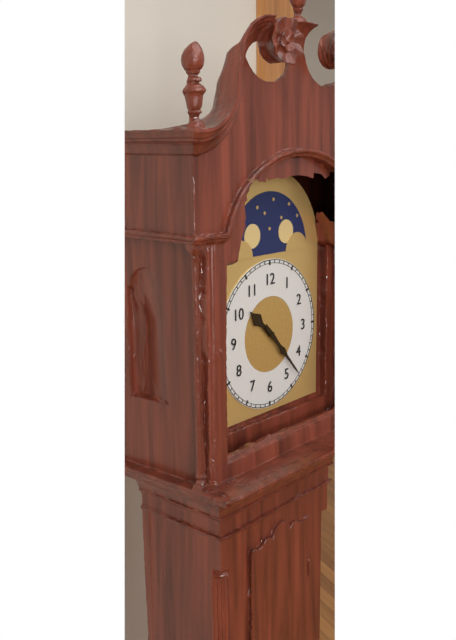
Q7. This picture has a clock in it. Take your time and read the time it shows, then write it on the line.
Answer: 10:23
